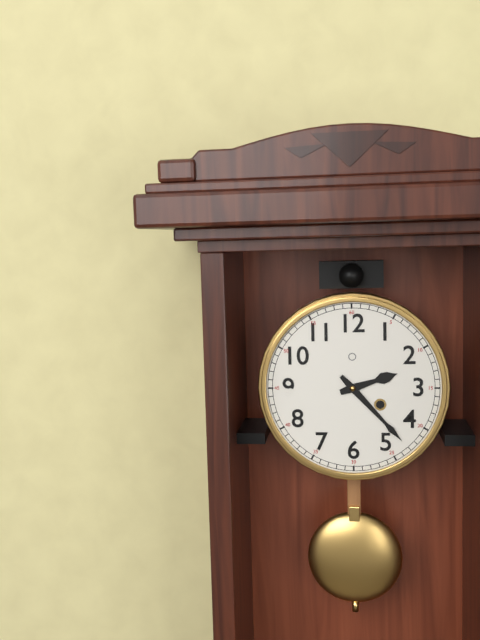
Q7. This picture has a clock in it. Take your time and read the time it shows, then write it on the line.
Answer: 2:23
